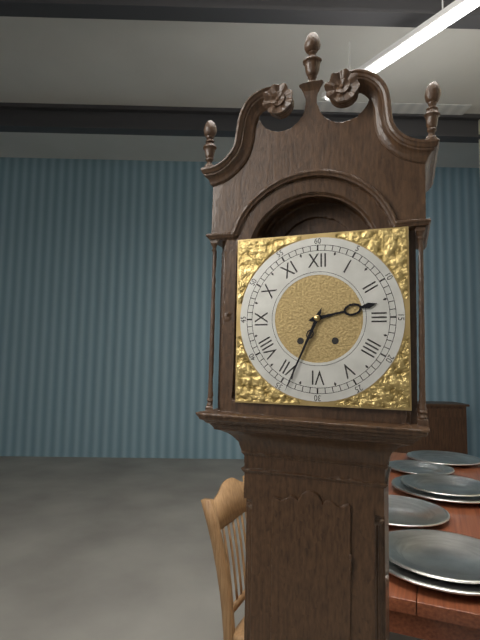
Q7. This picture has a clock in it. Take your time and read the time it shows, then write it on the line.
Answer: 2:34
